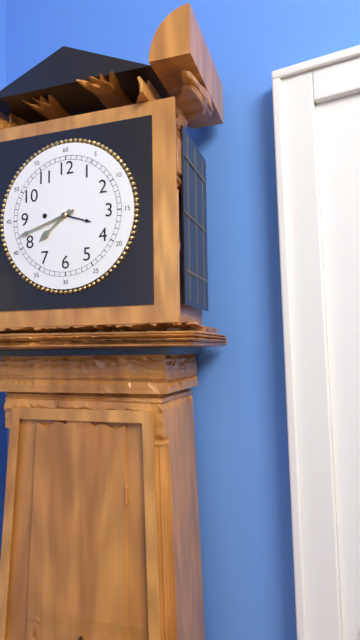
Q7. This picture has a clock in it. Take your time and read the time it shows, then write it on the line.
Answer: 7:42
